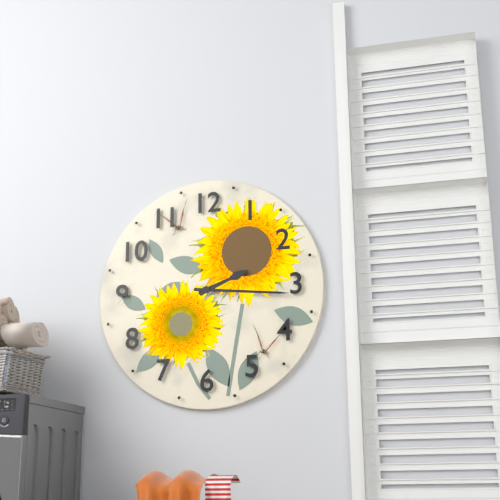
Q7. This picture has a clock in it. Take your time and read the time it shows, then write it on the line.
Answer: 2:16
